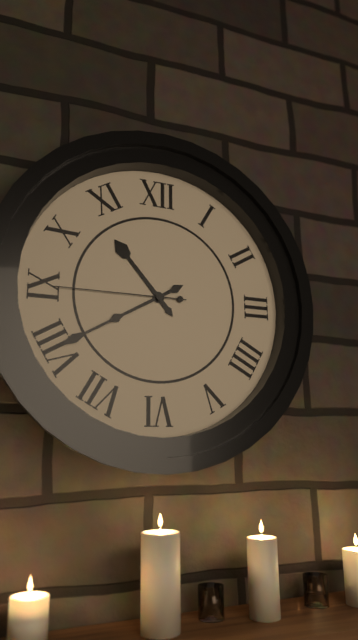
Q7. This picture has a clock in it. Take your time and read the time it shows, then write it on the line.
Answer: 10:40:45
